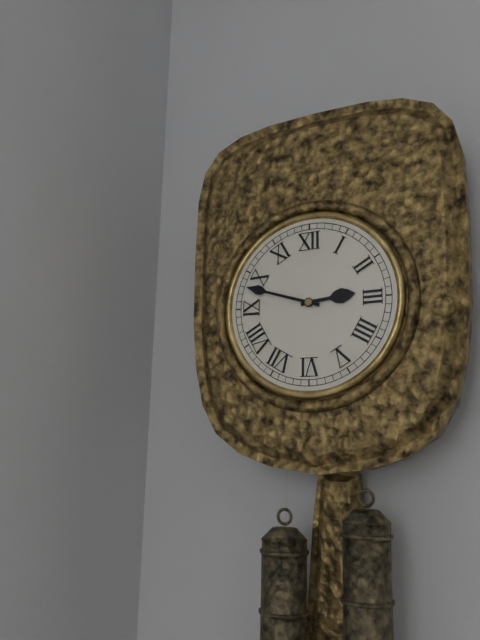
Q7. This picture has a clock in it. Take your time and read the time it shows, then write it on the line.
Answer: 2:48
